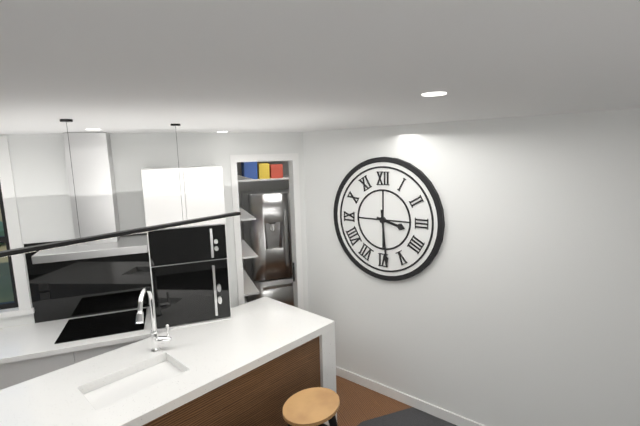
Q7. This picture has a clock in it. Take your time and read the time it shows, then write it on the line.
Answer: 3:29
